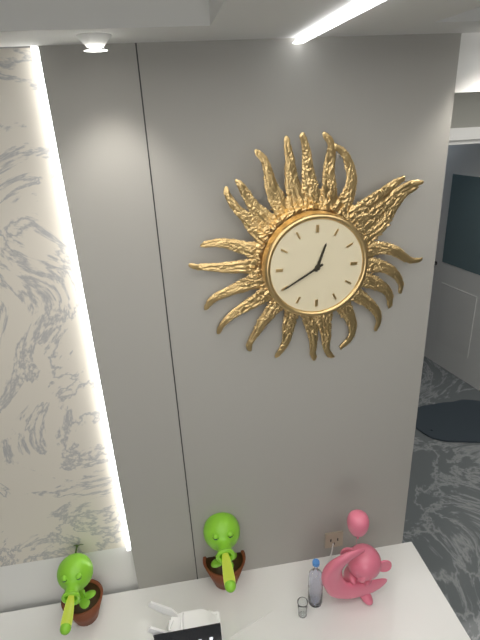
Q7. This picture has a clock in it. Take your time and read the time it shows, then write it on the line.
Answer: 12:40
